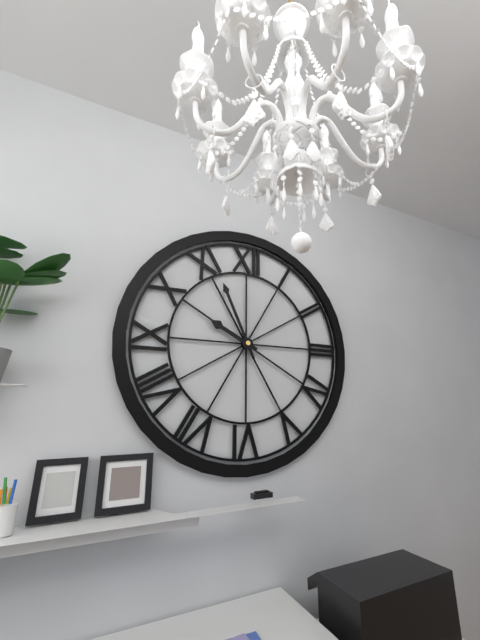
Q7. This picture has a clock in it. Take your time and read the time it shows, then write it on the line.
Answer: 9:56
